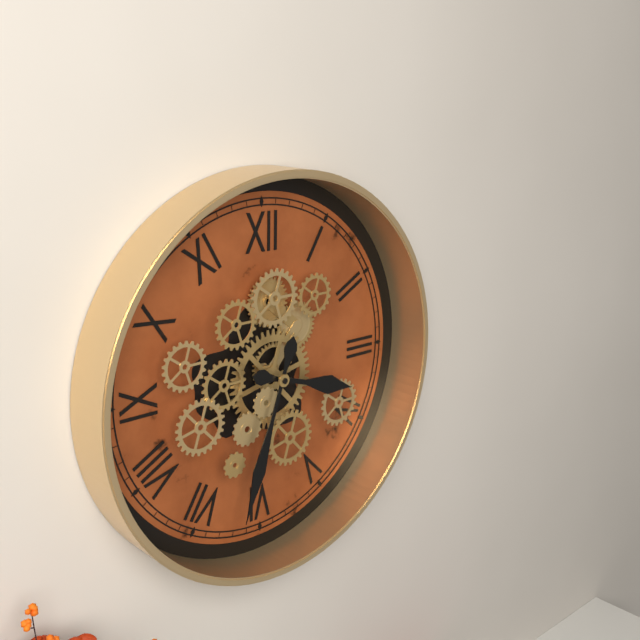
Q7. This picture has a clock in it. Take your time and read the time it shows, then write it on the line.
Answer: 3:33
